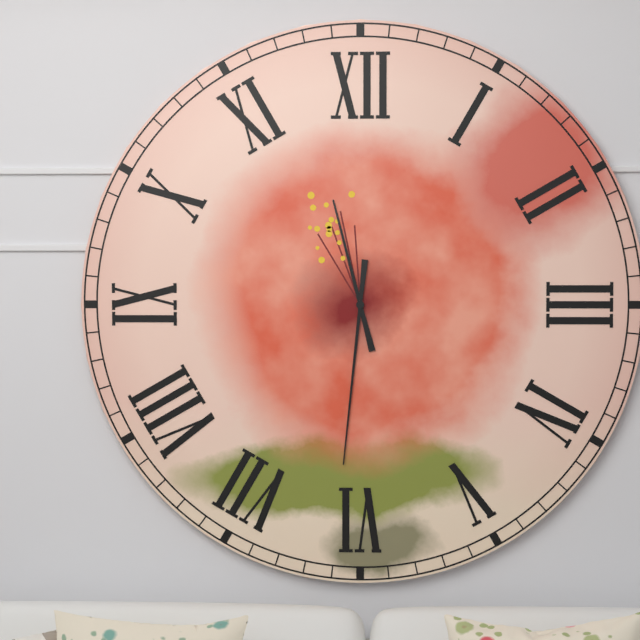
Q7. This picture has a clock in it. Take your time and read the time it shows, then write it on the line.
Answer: 11:31
